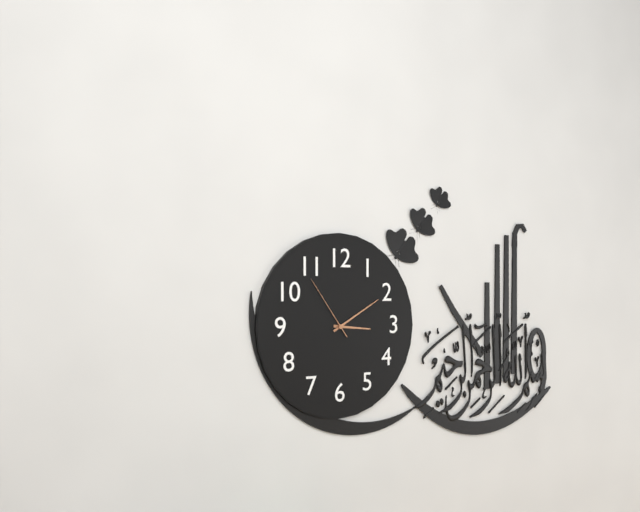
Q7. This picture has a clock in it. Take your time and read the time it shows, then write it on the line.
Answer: 3:10:54
